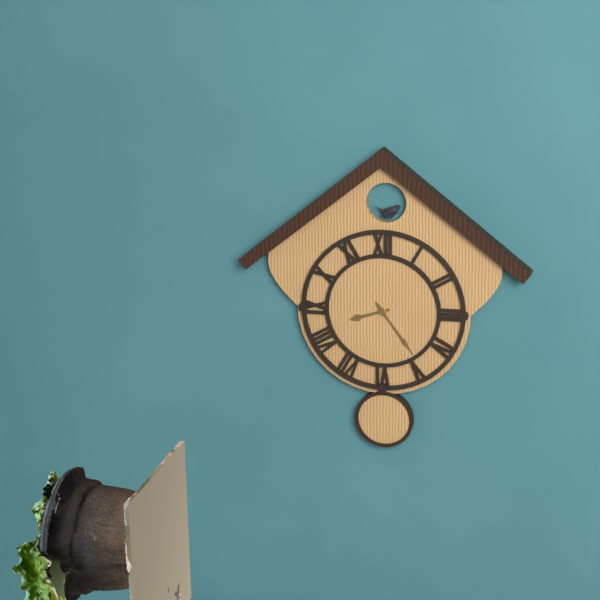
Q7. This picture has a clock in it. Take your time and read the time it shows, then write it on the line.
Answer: 8:24
